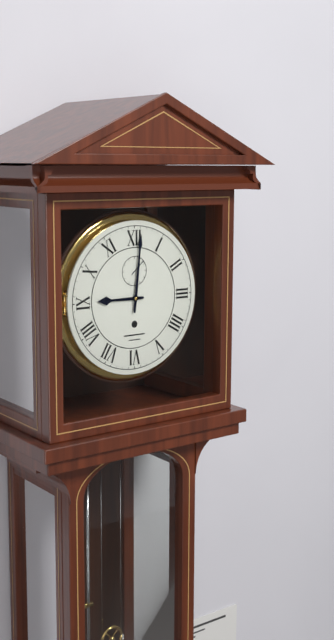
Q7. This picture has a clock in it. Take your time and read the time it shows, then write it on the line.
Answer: 9:01
